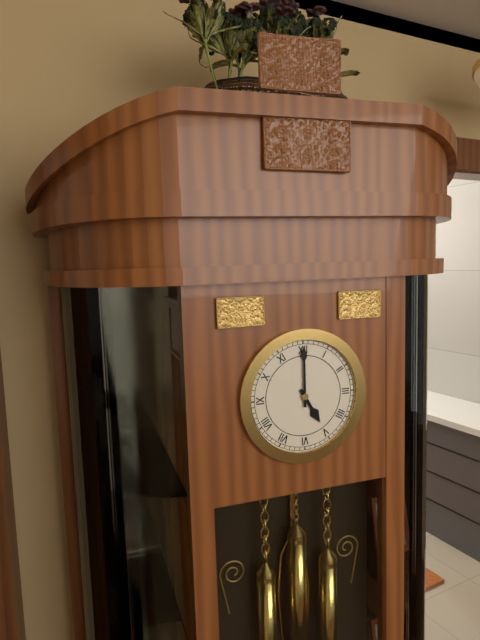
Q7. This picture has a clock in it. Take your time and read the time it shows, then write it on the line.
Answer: 5:00
